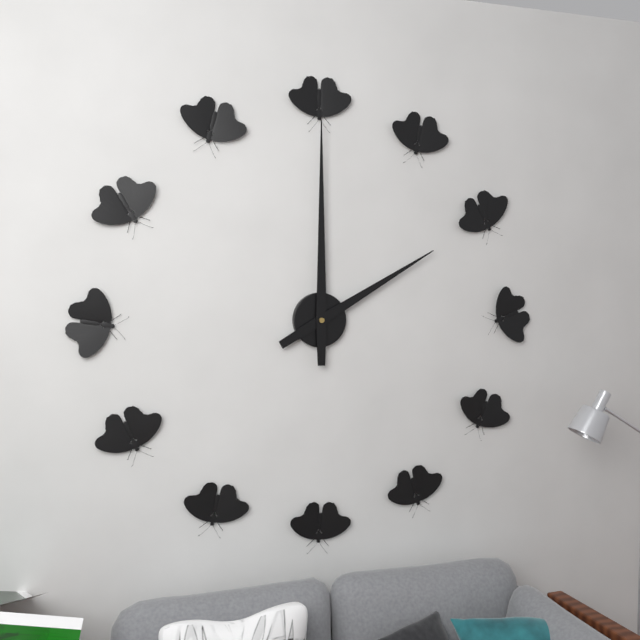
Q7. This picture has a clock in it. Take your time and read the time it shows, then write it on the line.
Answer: 2:00
